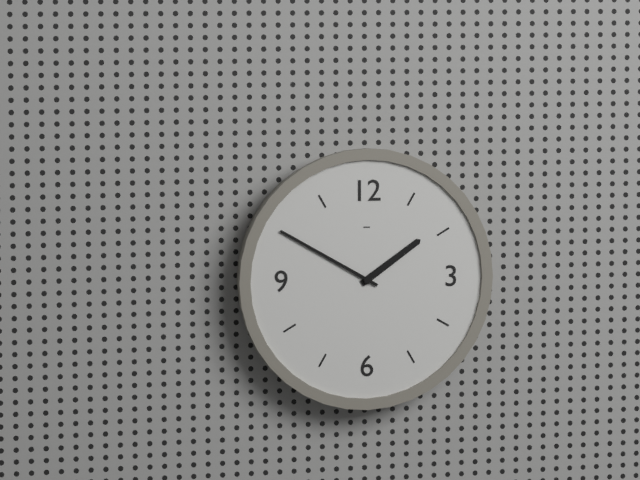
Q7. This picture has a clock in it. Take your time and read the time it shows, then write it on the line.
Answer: 1:50
